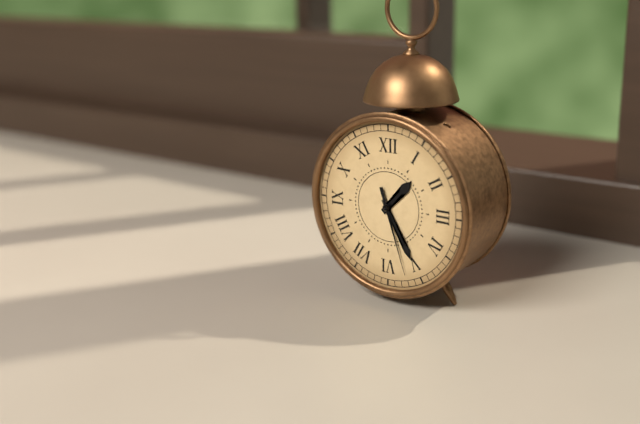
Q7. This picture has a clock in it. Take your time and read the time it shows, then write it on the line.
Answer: 1:25:27
